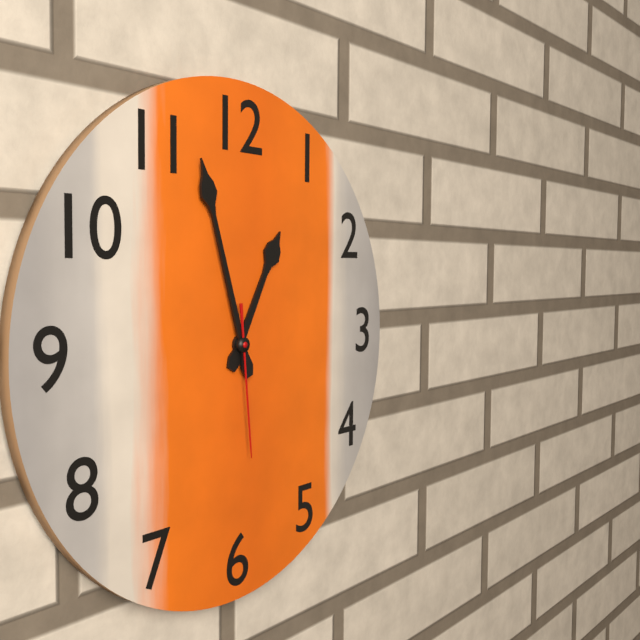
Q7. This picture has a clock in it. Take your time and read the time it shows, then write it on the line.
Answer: 12:57:29
